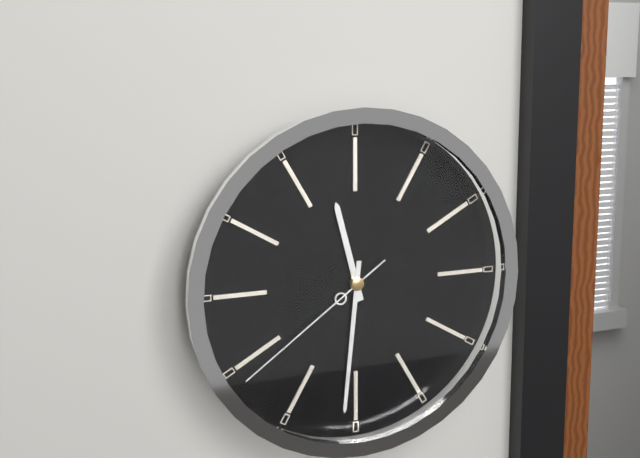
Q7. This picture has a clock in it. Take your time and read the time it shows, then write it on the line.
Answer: 11:31:39
